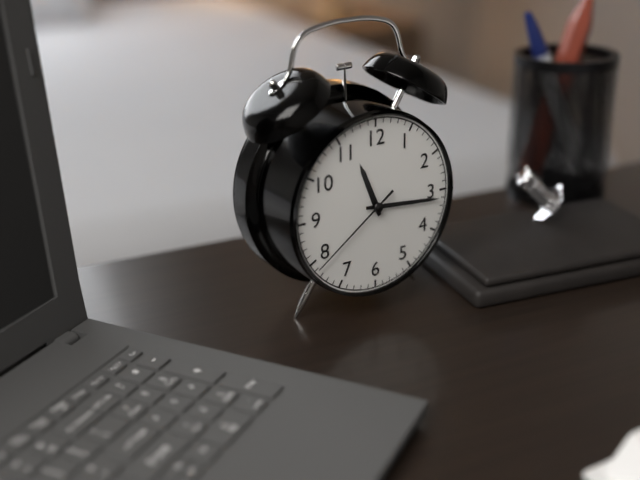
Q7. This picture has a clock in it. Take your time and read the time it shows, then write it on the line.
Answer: 11:16:39
